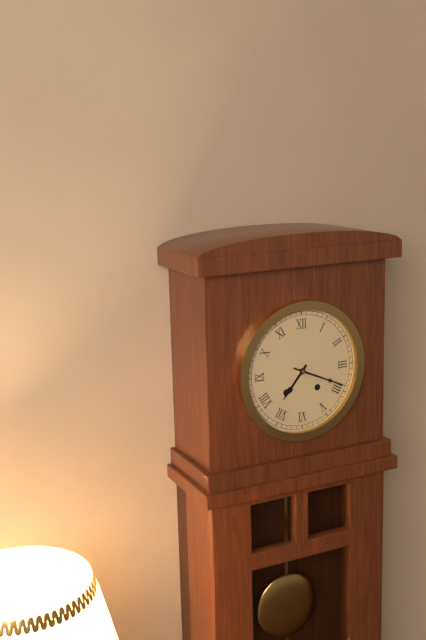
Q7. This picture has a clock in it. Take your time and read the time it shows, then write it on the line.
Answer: 7:19
